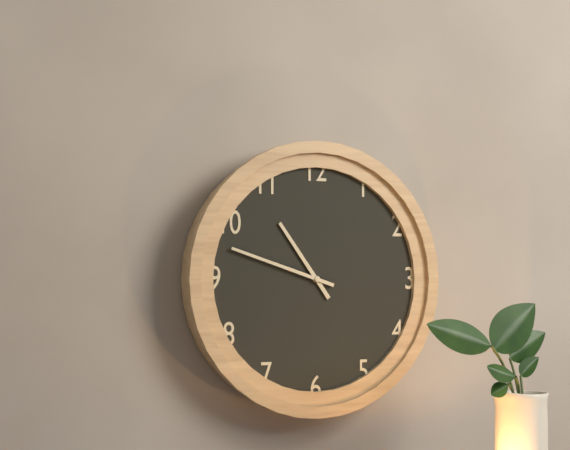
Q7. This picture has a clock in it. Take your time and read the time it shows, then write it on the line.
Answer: 10:48
